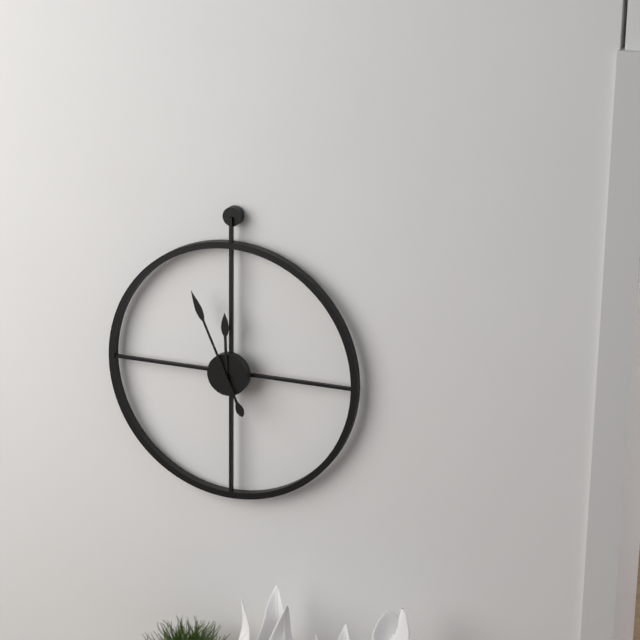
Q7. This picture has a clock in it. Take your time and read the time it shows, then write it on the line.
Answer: 11:56
